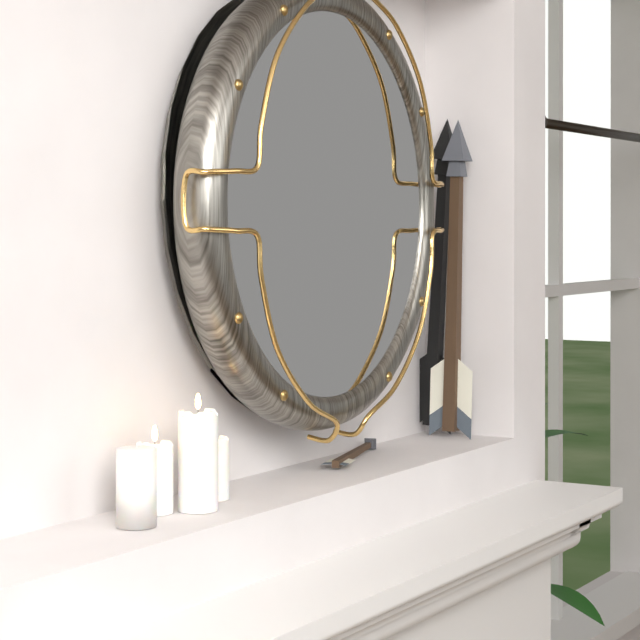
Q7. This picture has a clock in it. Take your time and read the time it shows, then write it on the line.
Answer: 11:46
